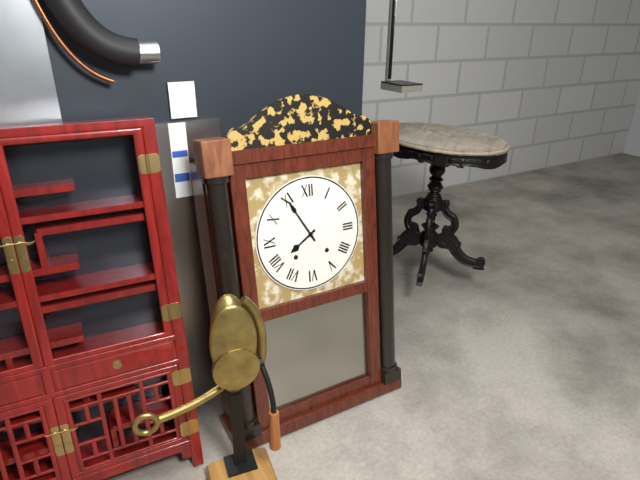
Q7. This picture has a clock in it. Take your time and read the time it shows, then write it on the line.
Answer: 7:55
